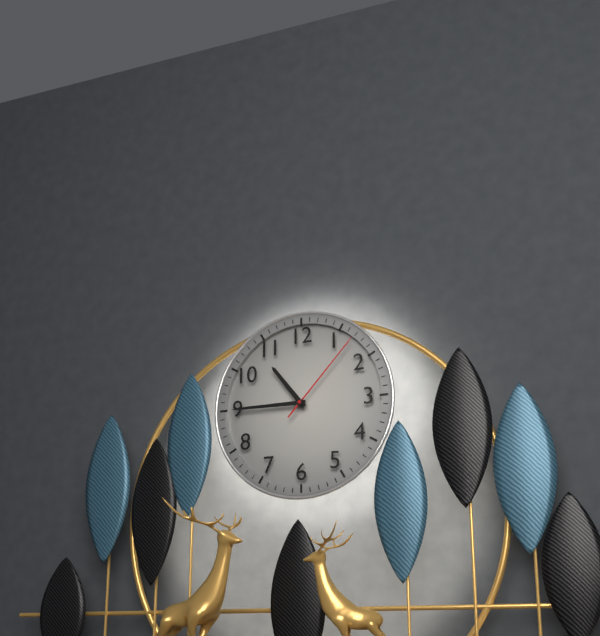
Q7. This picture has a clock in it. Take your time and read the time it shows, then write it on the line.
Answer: 10:45:07
